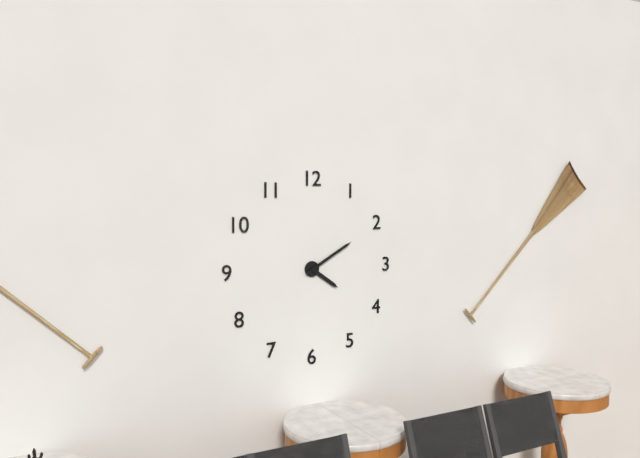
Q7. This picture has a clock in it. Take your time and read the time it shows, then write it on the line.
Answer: 4:10
